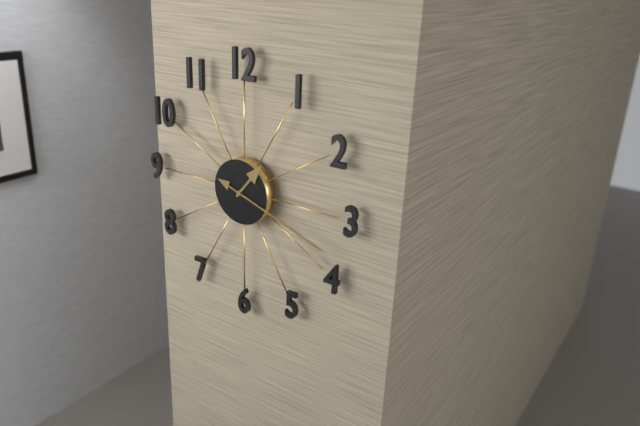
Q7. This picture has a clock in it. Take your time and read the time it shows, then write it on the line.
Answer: 1:18
